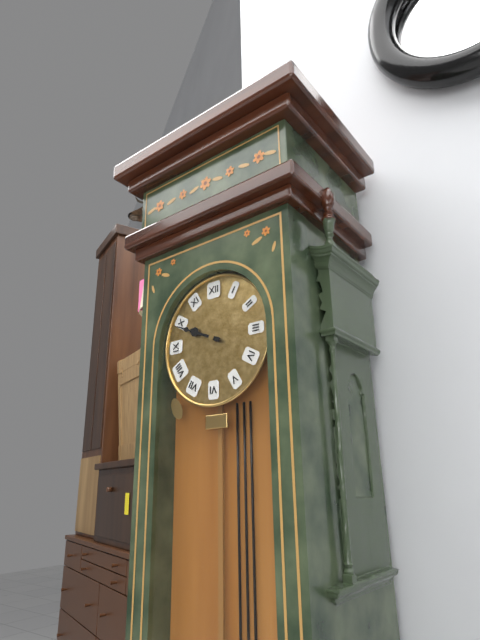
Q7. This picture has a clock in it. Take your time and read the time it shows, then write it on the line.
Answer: 9:49
